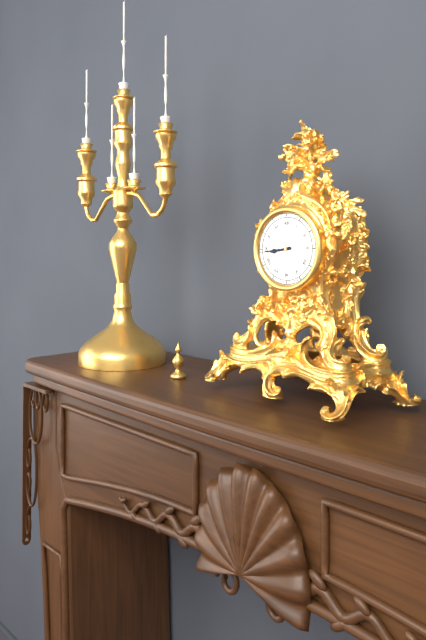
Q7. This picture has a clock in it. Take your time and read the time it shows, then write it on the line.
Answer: 8:44
